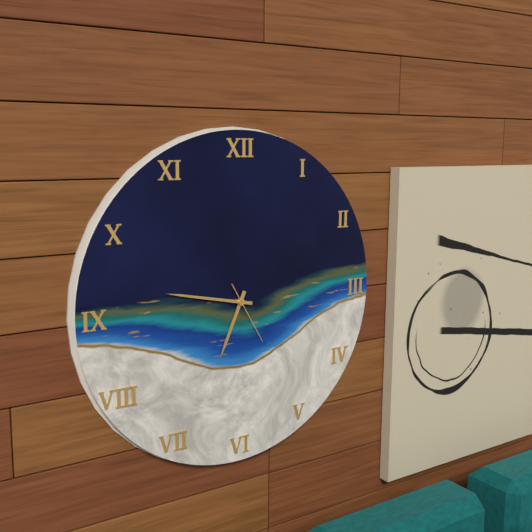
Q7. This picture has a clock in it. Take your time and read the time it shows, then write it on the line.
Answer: 6:47:25
